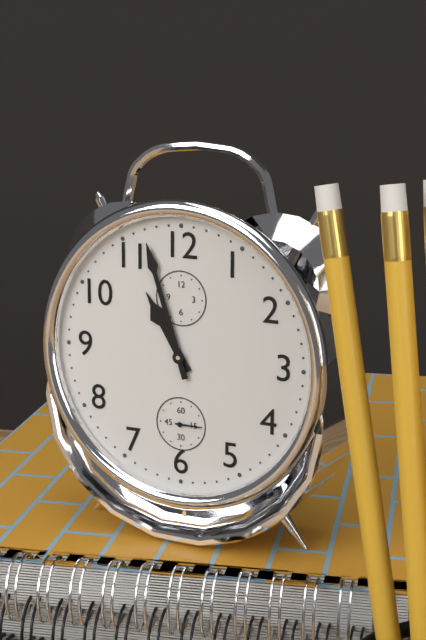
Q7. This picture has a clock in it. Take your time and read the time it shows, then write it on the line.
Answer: 10:57
